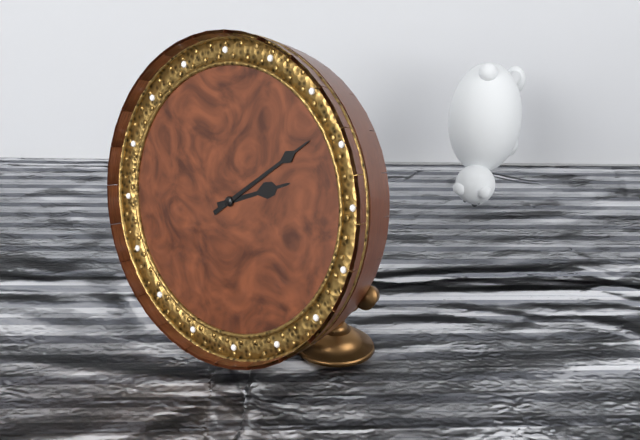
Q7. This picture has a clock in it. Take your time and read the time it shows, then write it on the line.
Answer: 2:08
